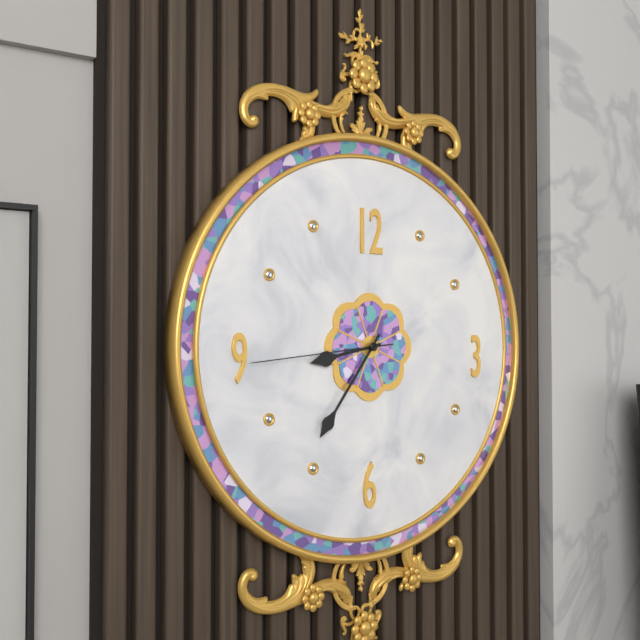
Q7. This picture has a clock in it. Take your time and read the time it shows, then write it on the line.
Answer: 8:36:44
